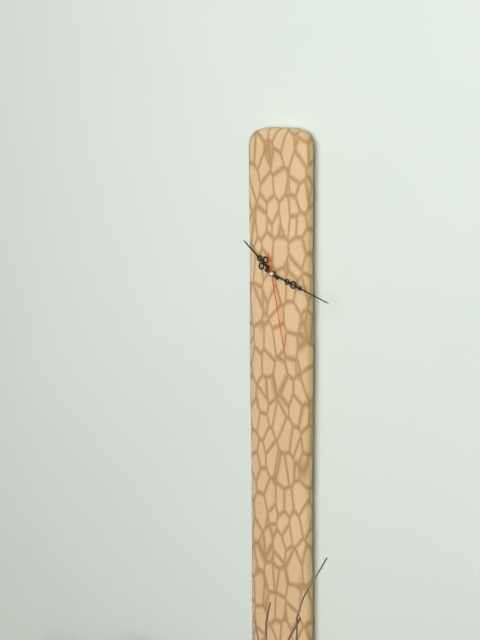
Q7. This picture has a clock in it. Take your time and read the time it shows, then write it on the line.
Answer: 10:18:28
